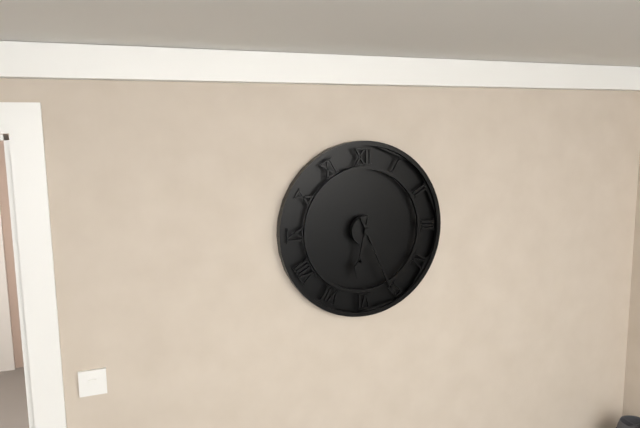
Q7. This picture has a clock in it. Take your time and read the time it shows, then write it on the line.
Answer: 6:26
